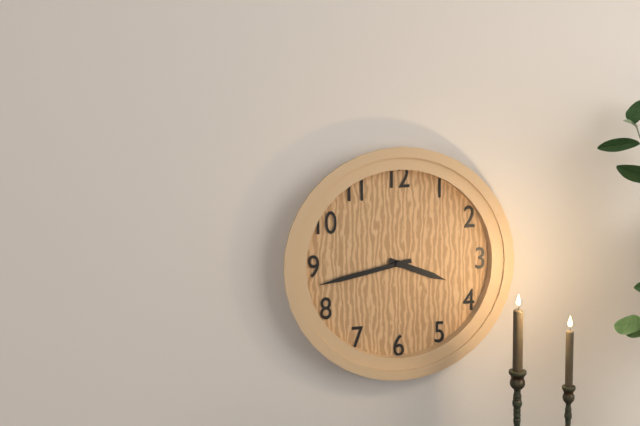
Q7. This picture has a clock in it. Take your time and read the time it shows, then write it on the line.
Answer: 3:43
